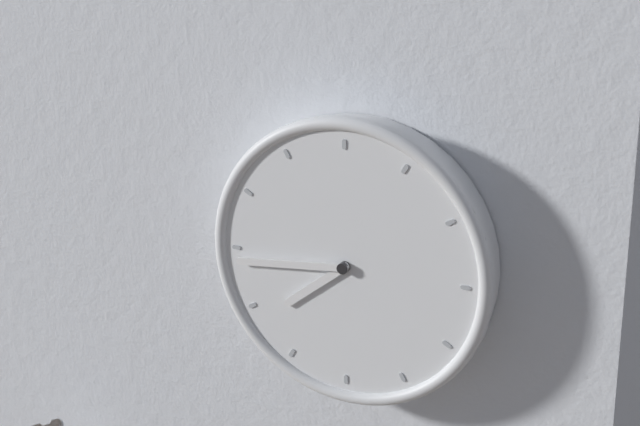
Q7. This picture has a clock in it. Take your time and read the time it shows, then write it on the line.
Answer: 7:44
